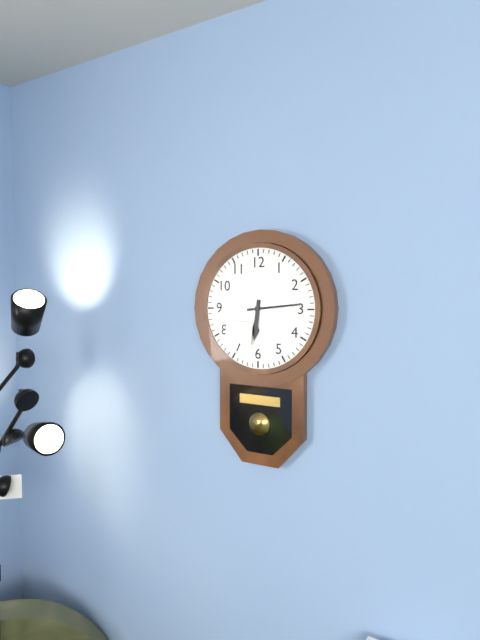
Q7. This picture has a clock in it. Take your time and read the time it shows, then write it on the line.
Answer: 6:14
